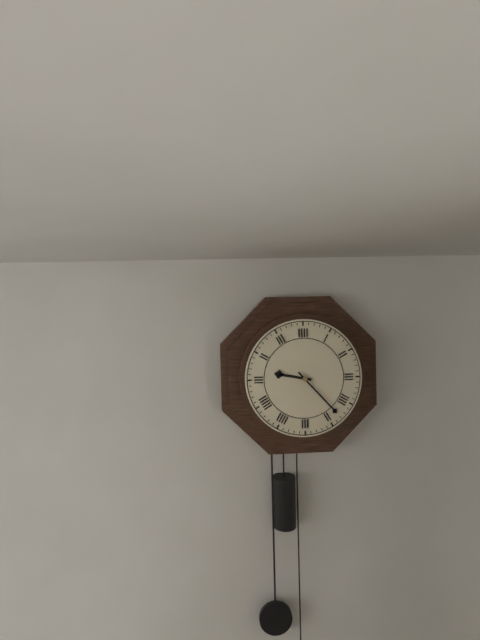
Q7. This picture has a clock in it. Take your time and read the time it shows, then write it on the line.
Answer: 9:23
